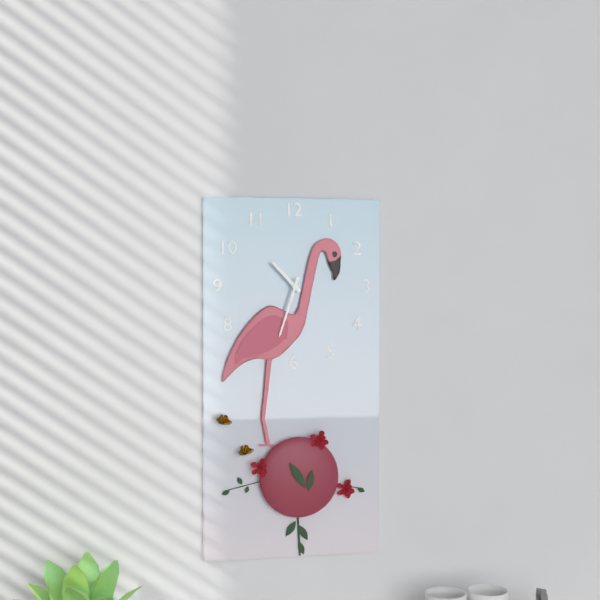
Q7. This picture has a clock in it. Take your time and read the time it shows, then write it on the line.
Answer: 10:33
